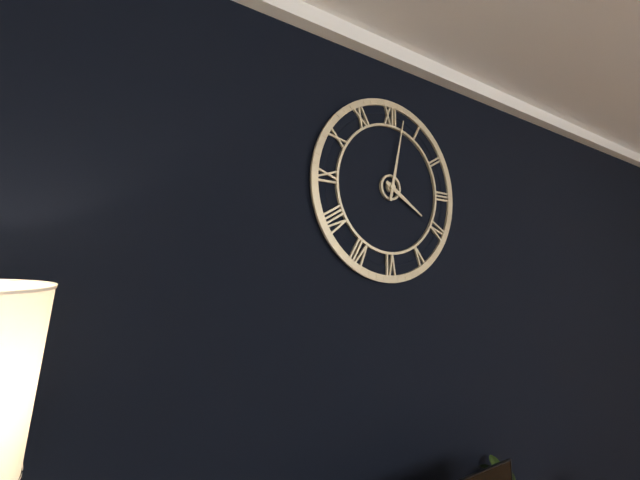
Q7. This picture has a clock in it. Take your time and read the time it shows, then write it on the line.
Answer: 4:02
